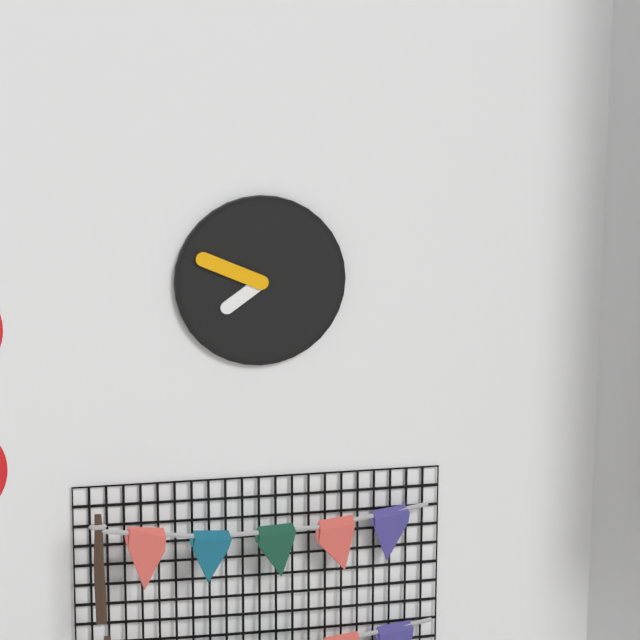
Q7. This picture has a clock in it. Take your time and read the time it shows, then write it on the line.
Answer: 7:49
